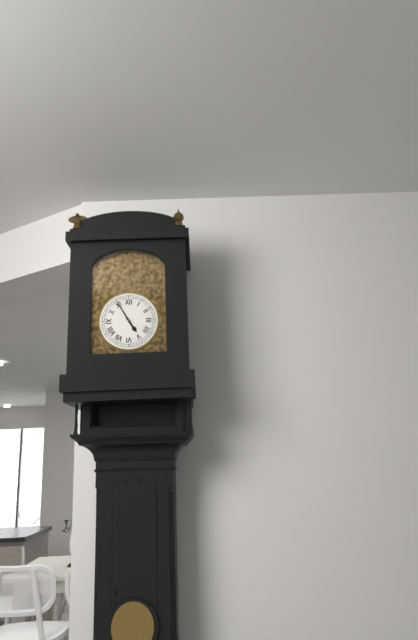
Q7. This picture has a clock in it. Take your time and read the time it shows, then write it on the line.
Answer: 4:55
